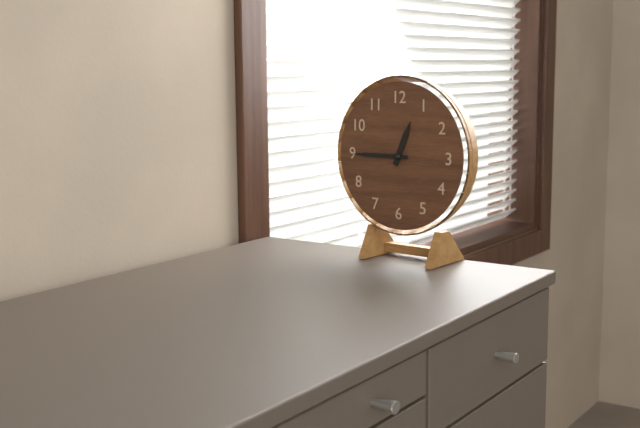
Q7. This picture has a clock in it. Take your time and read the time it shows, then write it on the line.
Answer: 12:45
